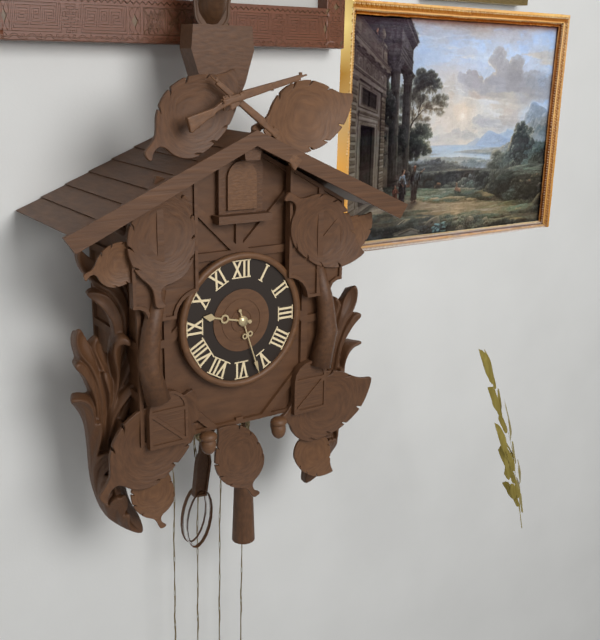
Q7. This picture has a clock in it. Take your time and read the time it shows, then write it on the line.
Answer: 9:27
